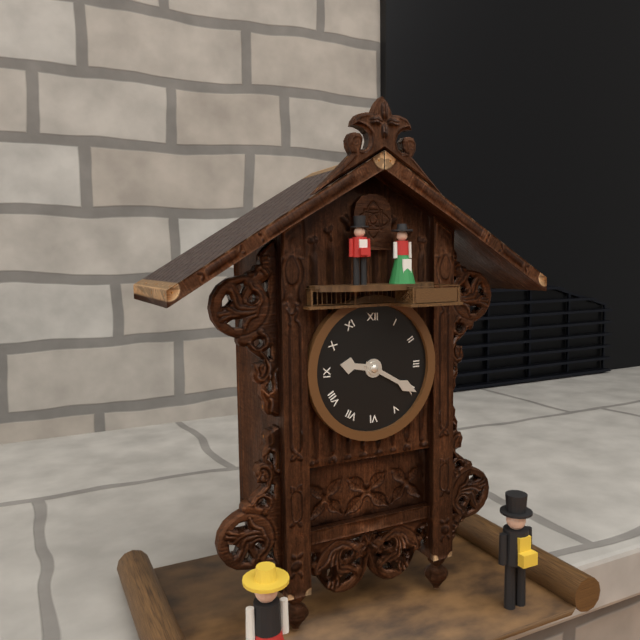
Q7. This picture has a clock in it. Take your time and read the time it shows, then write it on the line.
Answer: 9:20
